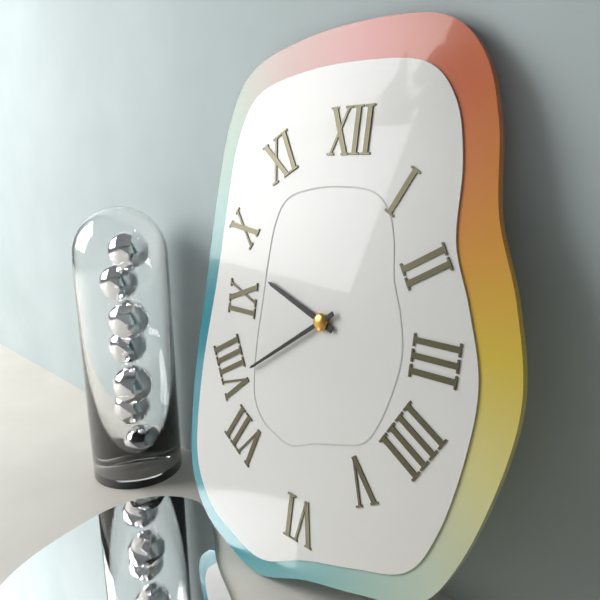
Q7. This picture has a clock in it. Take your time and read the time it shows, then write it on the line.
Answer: 9:39
